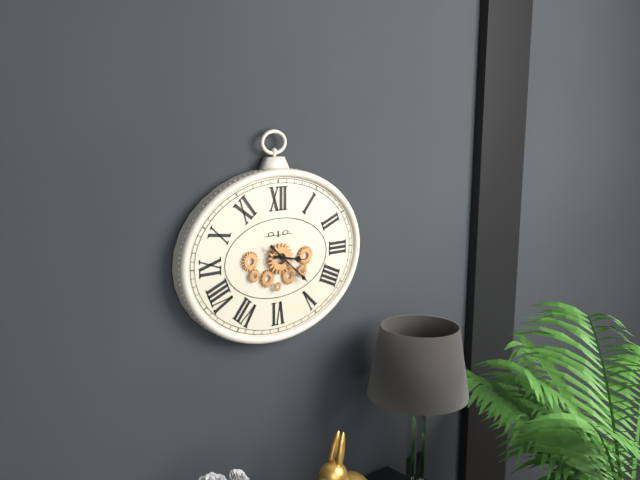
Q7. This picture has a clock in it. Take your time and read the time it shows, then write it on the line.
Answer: 3:22
